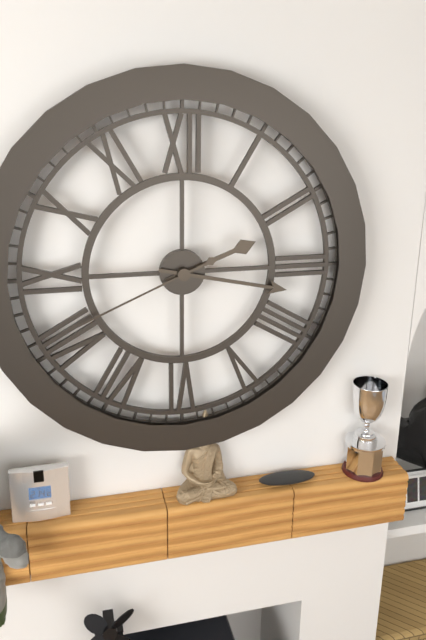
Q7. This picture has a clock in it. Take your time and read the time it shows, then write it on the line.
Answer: 2:17:41
